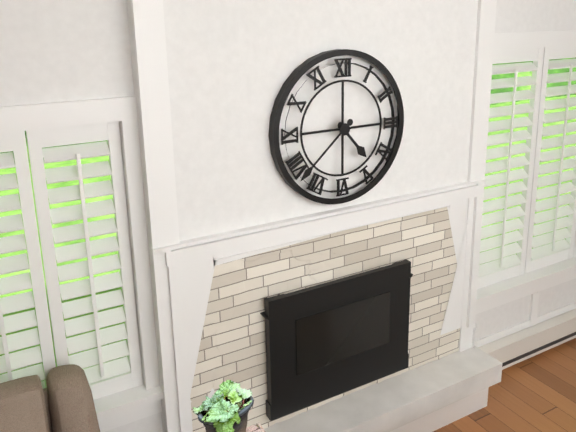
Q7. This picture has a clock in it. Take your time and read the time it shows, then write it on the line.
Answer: 4:38
